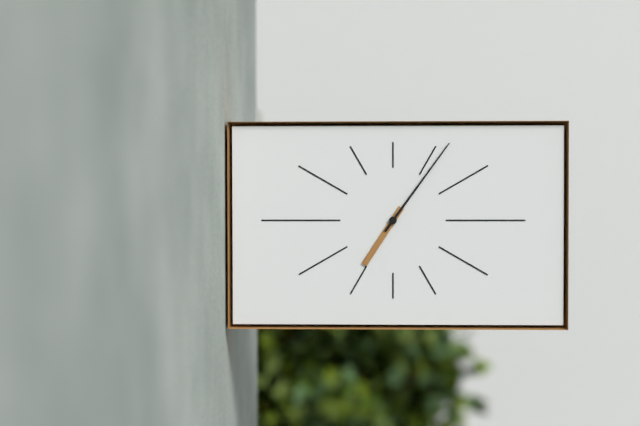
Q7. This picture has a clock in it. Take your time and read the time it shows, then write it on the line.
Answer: 7:06
